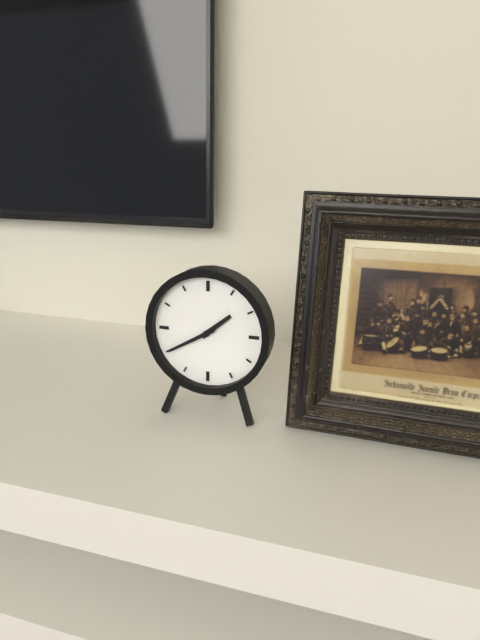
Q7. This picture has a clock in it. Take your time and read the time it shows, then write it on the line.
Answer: 1:40
